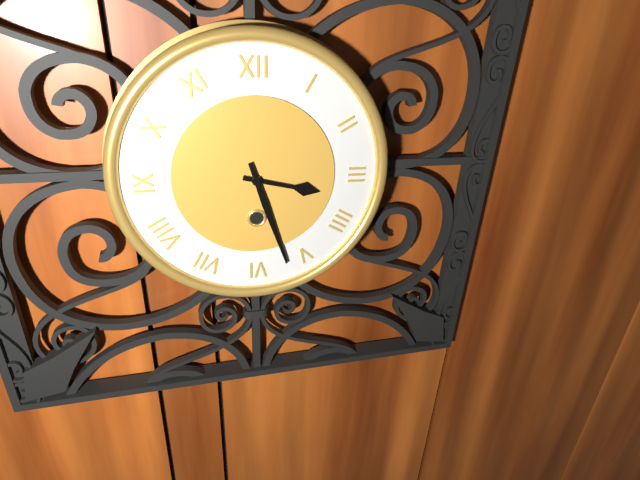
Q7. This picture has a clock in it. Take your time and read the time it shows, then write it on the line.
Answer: 3:27
